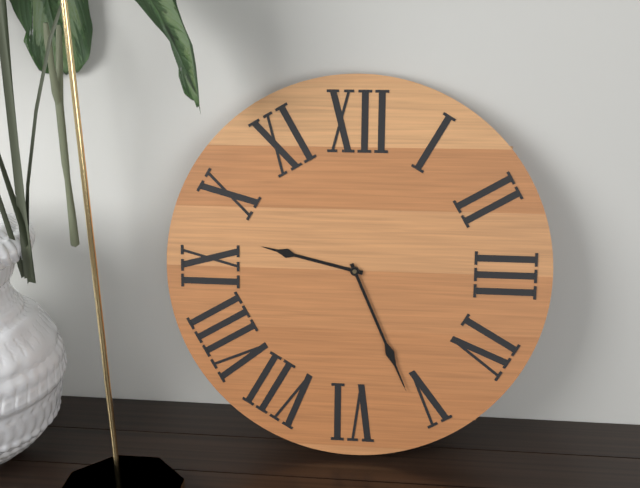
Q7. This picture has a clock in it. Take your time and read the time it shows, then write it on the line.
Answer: 9:26
